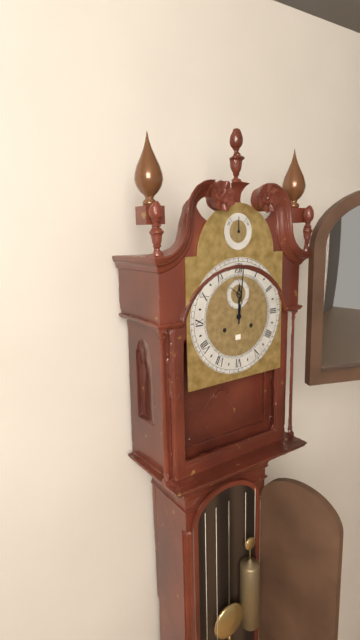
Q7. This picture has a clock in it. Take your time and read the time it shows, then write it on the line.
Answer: 12:01
